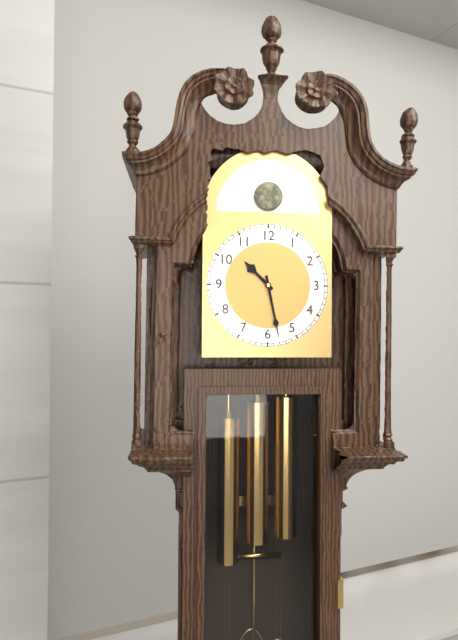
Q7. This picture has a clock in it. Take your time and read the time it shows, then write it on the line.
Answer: 10:28
